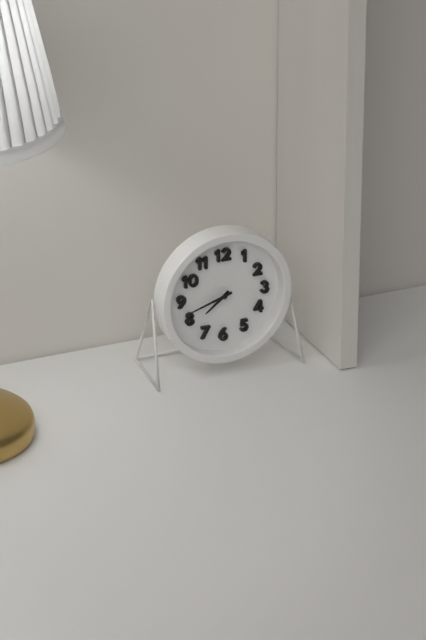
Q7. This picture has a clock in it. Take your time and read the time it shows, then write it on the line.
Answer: 7:42
